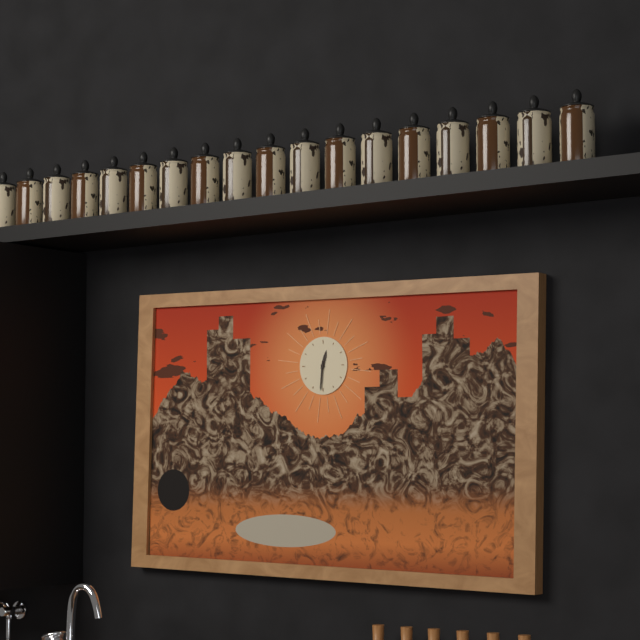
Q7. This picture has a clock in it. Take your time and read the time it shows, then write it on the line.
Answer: 12:31
